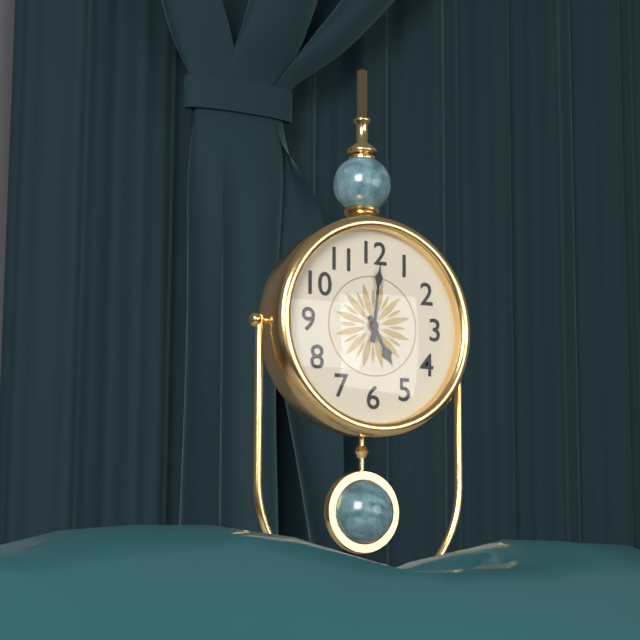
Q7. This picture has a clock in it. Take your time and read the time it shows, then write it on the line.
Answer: 5:01
